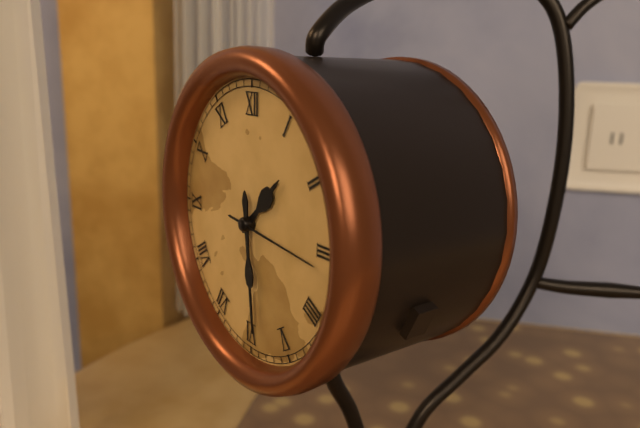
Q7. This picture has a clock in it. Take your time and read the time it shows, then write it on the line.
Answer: 1:29:16
